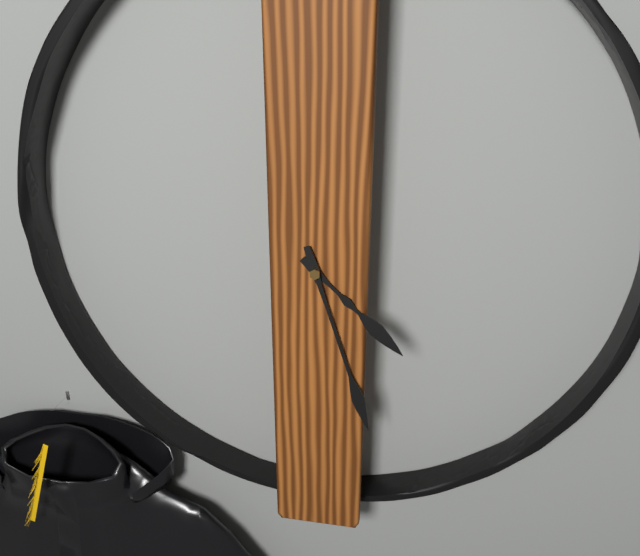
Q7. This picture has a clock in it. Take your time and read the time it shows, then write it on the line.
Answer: 4:27
